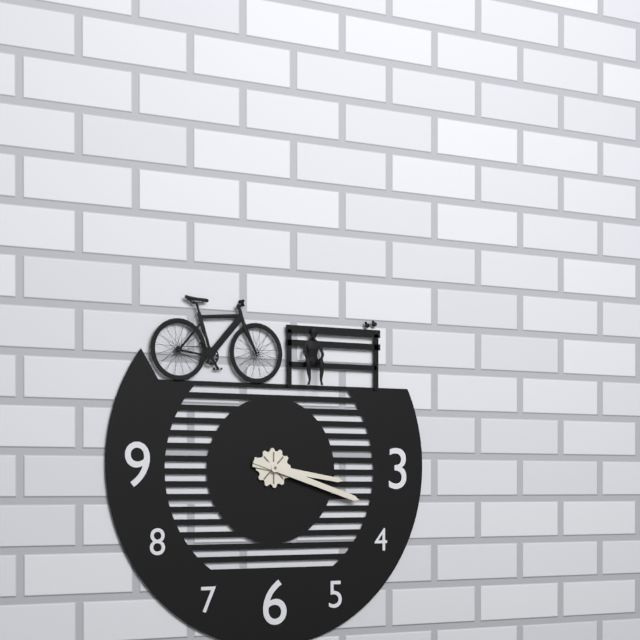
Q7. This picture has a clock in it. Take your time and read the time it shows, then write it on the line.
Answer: 3:18
